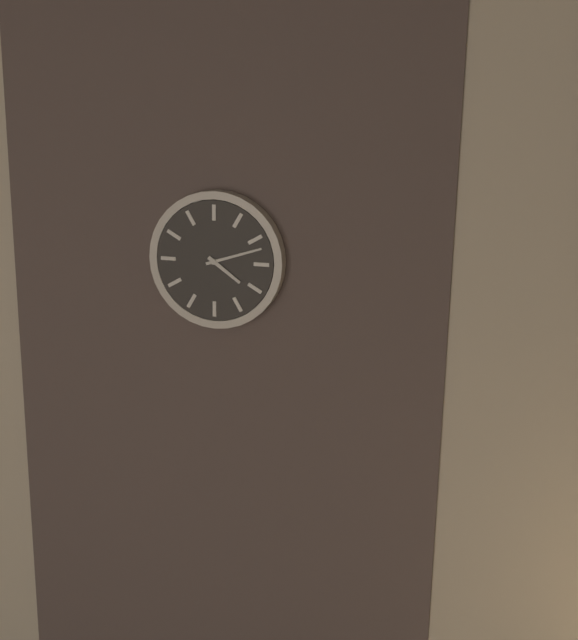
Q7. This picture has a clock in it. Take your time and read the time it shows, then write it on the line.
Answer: 4:12
